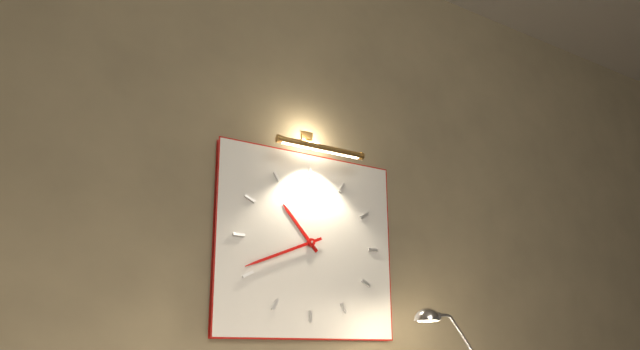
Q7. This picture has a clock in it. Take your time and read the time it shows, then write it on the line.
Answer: 10:41
